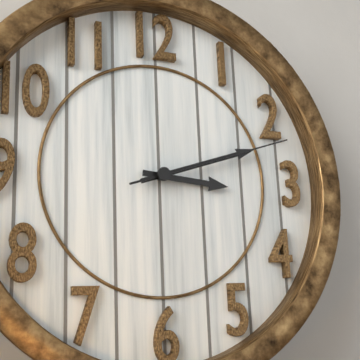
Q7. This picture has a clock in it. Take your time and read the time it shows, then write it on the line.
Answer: 3:12:12
